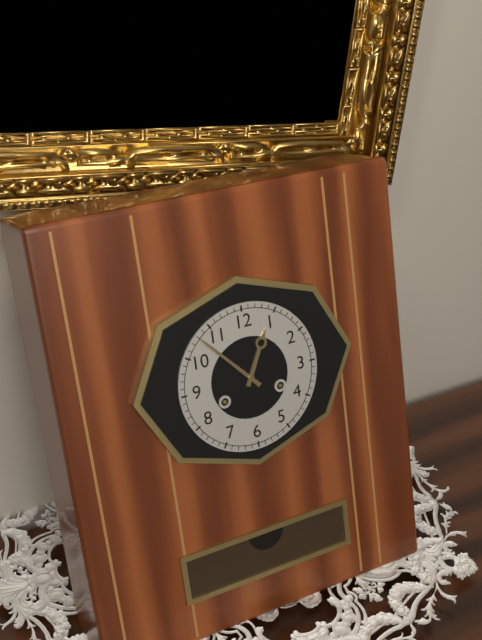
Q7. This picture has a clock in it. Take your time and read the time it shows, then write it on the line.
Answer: 12:53
